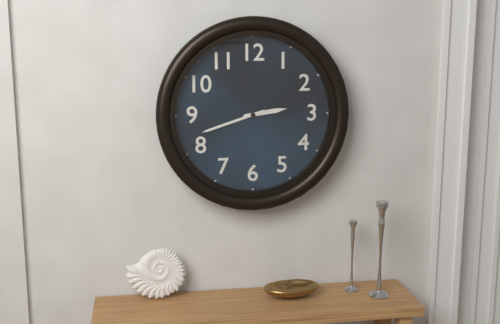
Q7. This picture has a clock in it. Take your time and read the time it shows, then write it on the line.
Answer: 2:42
